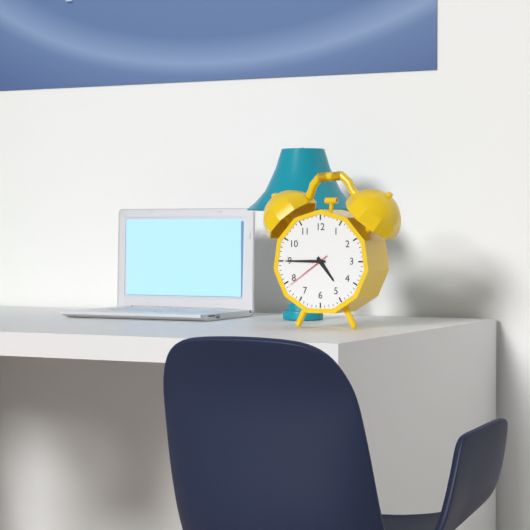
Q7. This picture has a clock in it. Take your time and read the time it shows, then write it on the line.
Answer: 4:45
